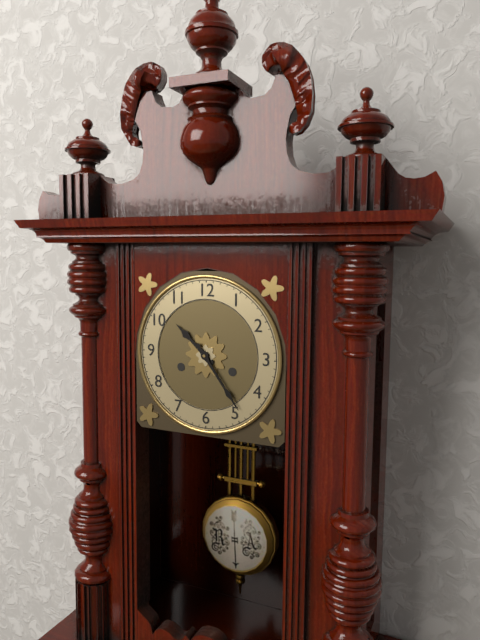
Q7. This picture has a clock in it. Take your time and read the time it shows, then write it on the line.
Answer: 10:24
